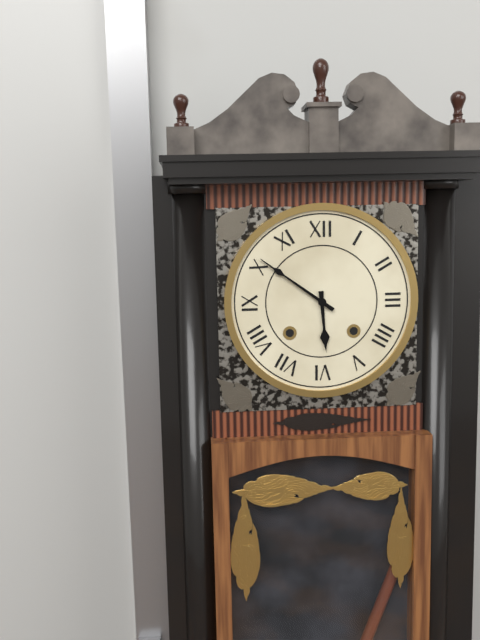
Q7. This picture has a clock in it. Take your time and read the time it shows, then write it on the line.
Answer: 5:51
